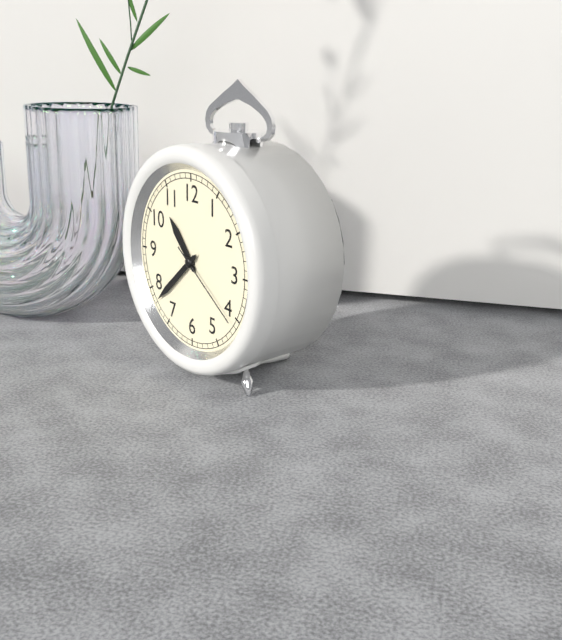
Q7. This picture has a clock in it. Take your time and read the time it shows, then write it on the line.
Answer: 10:38:21
